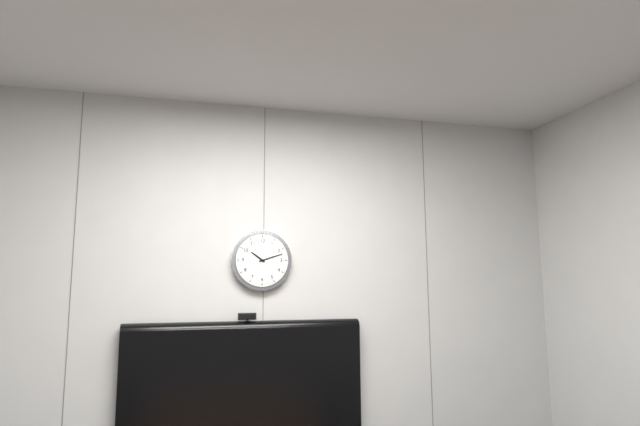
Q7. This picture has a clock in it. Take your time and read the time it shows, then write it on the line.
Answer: 10:12
